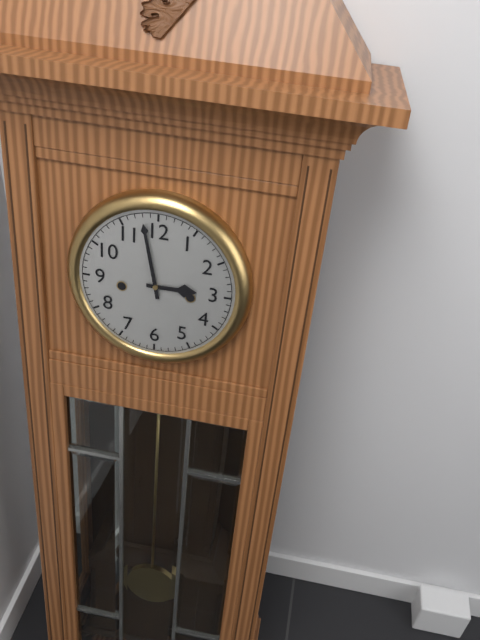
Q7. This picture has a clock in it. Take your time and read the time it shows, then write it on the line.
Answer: 2:58
